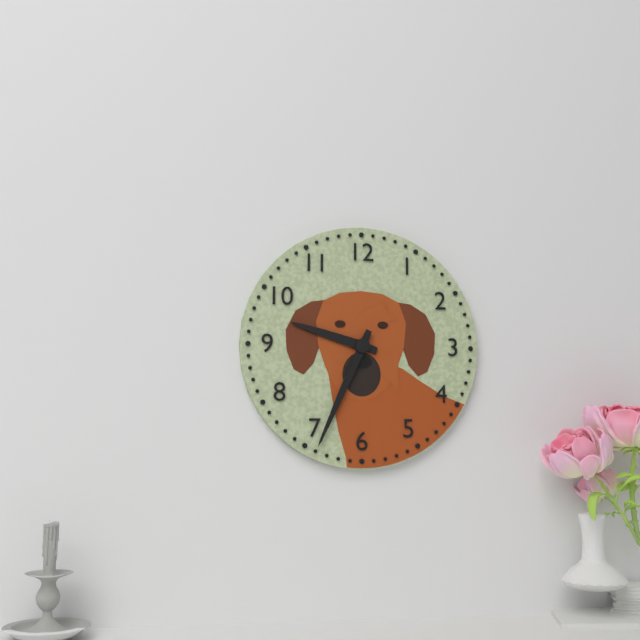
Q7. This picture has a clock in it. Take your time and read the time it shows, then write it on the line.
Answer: 9:34
